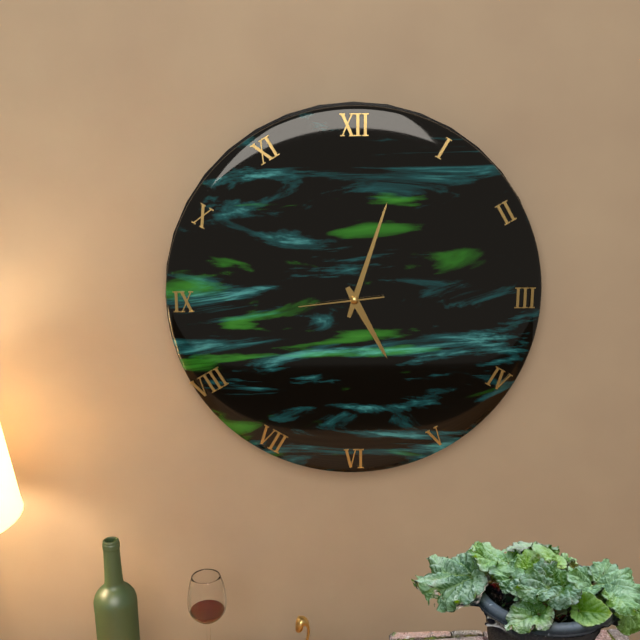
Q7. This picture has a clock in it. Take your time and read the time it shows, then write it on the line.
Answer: 5:03:44
